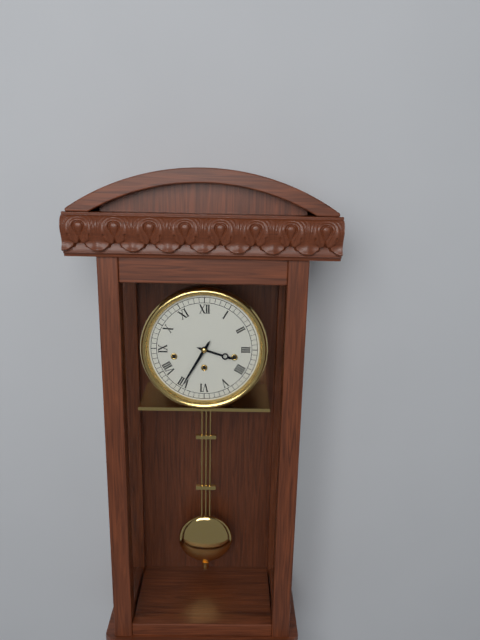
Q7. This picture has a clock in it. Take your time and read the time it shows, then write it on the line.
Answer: 3:35
